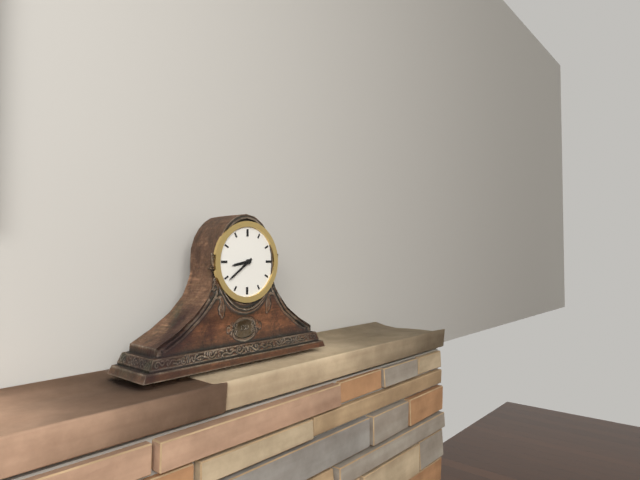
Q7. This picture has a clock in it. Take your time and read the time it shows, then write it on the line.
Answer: 8:39
